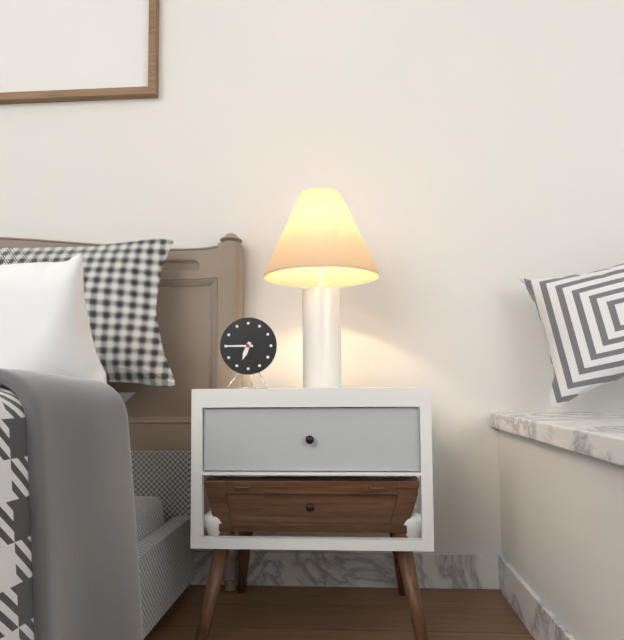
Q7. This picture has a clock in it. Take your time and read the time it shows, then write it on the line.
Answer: 6:45
